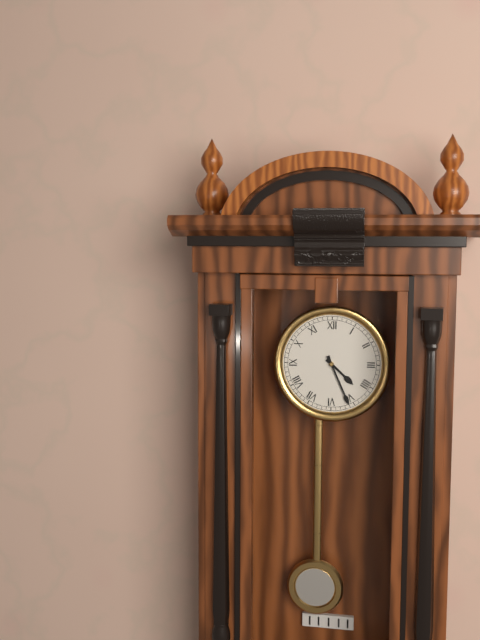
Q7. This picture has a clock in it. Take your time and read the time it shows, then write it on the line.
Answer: 4:26
